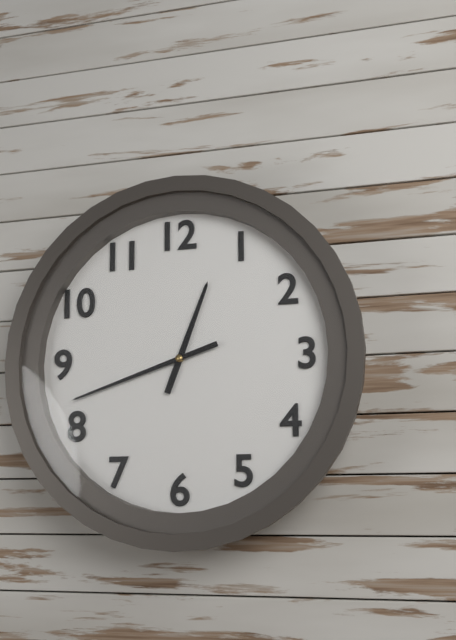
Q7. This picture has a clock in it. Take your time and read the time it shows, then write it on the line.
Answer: 12:42
